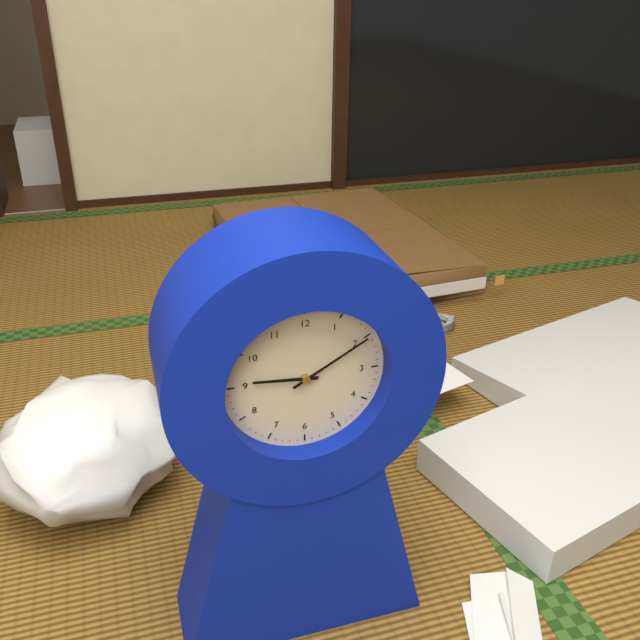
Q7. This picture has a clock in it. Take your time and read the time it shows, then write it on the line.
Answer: 9:10
